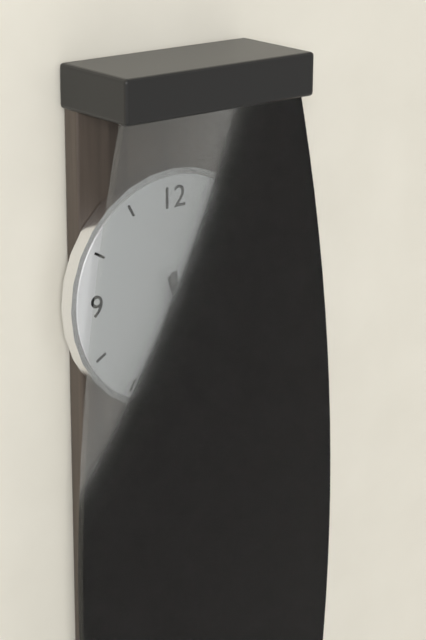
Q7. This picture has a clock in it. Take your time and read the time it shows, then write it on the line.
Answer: 5:29
